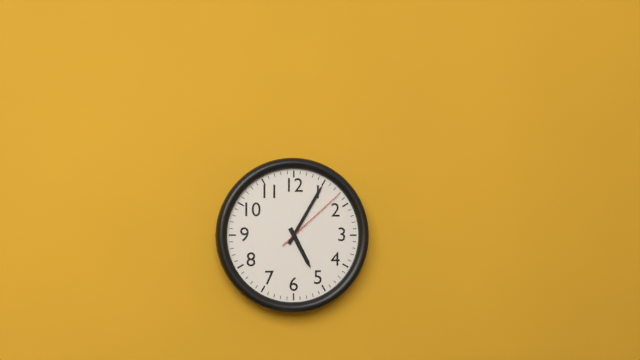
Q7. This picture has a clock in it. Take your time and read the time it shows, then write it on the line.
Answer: 5:05:08
